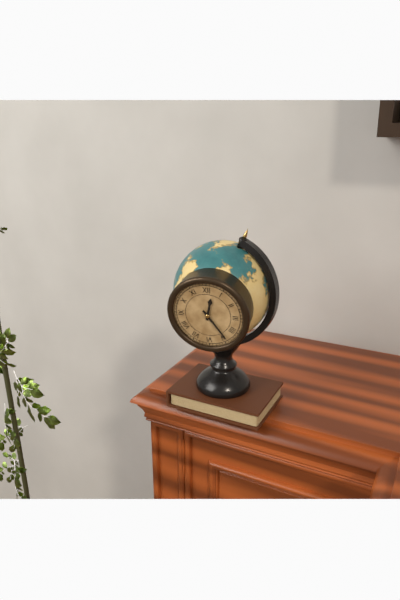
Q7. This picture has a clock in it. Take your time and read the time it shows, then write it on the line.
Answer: 12:24
